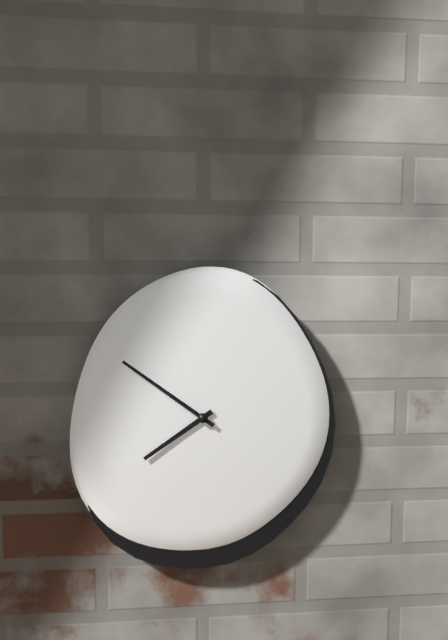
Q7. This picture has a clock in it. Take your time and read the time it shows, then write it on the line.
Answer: 7:51
